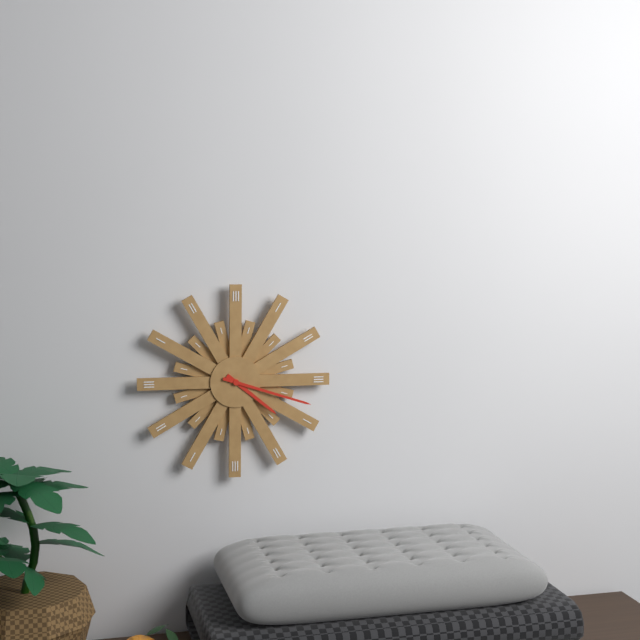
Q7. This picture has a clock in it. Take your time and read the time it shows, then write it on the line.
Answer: 4:18
